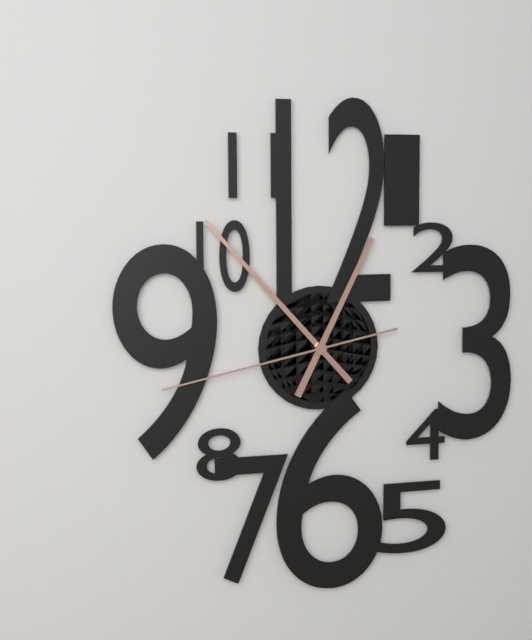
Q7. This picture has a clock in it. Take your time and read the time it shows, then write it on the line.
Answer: 12:53:43
